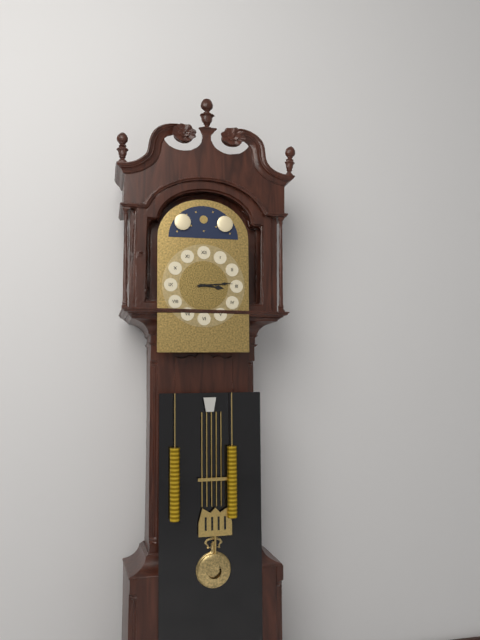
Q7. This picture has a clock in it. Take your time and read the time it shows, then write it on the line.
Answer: 3:14
